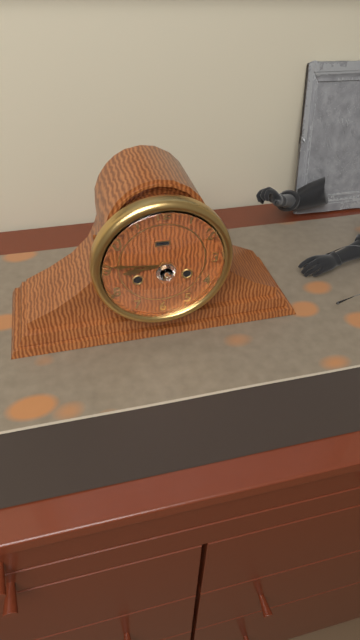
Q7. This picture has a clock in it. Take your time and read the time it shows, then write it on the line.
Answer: 8:46
